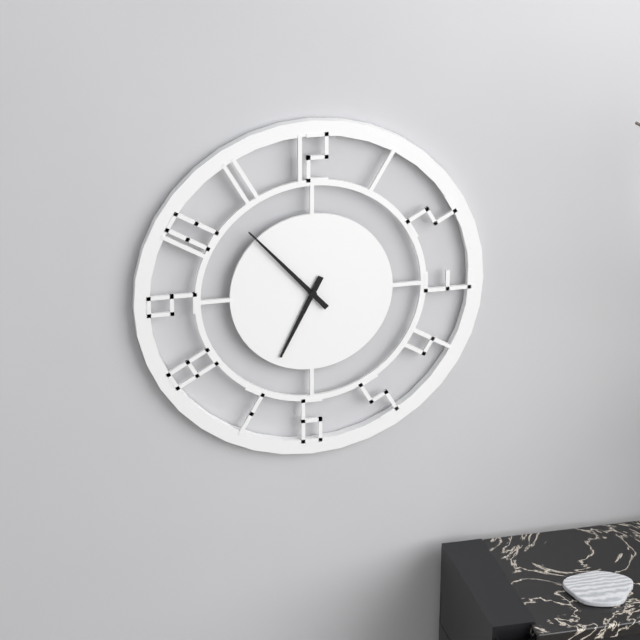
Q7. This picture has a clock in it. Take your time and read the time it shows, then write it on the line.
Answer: 6:53
